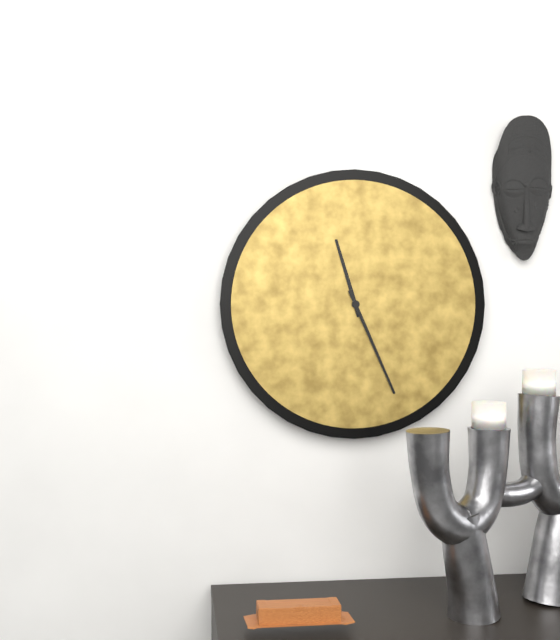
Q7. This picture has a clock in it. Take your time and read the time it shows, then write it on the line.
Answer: 11:26
